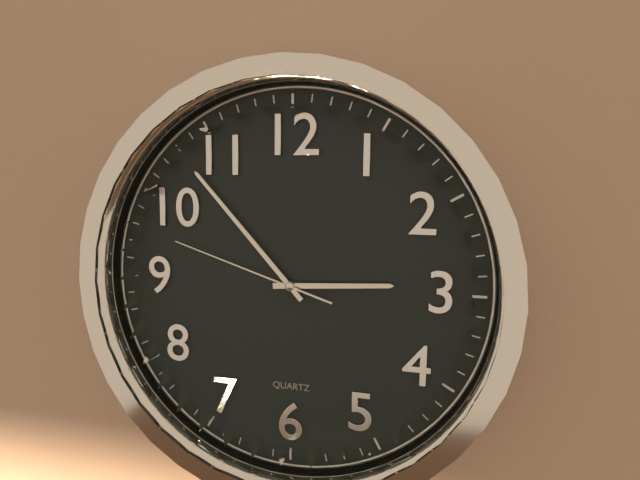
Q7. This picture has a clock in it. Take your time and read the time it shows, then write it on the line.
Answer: 2:53:48
